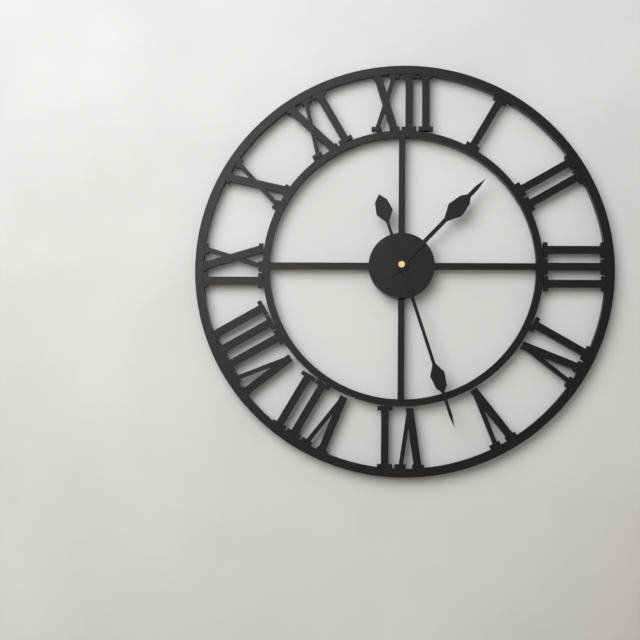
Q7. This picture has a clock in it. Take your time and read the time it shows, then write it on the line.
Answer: 1:27
